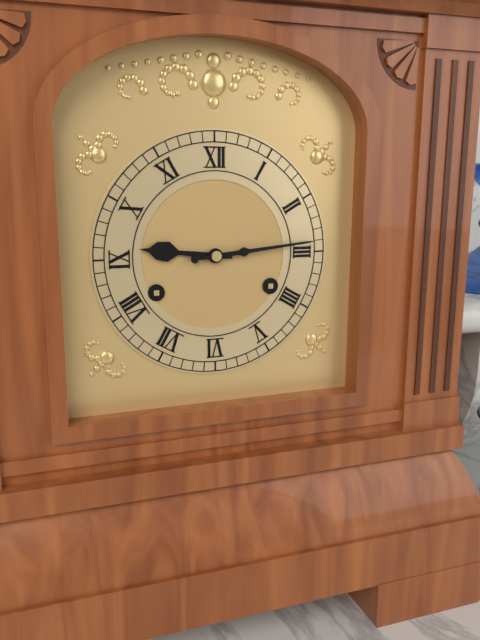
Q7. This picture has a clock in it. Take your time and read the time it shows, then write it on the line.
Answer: 9:14
